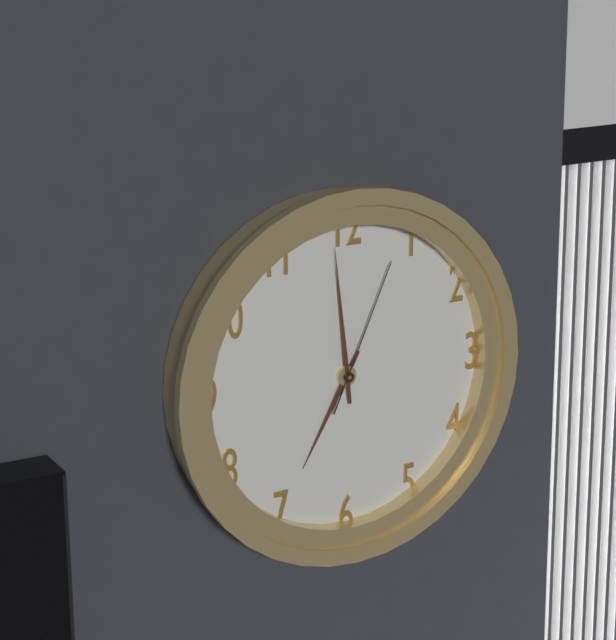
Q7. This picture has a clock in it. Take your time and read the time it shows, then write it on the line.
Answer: 6:59:04
